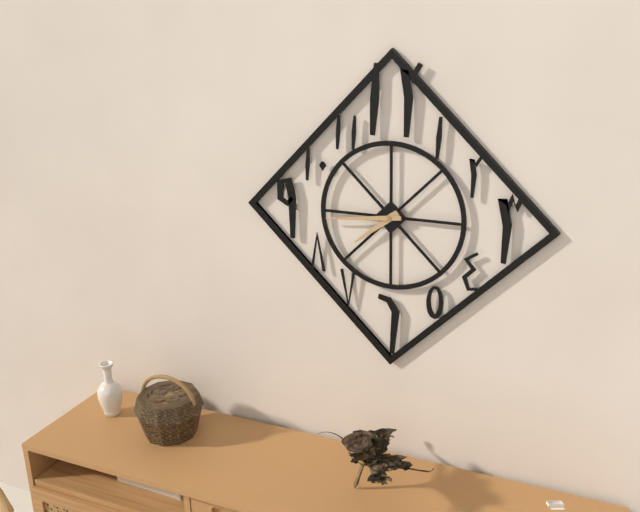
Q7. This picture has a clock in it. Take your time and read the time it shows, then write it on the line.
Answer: 7:44
